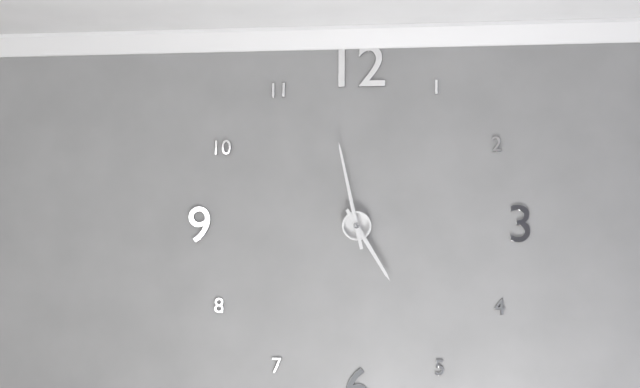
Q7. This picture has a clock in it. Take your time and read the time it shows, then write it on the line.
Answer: 4:58
